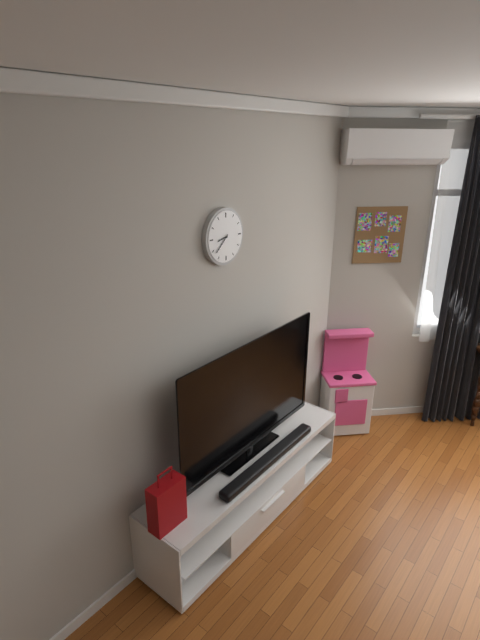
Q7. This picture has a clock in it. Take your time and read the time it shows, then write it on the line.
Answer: 8:38
